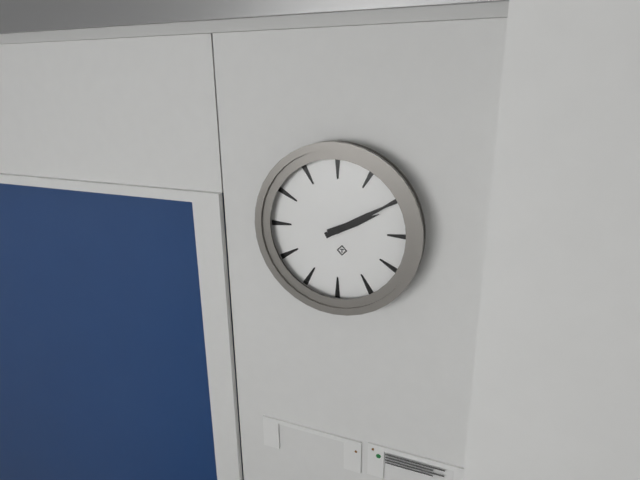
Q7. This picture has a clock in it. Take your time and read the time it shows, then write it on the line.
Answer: 2:10
